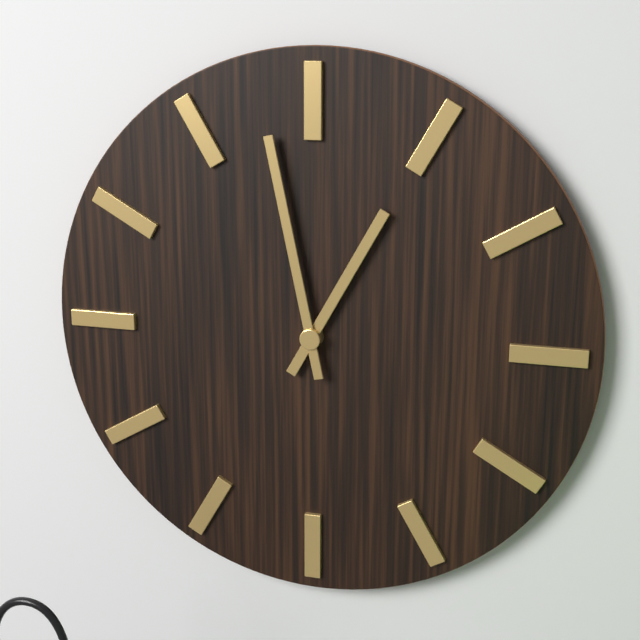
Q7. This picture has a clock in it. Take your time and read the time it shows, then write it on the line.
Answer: 12:58
